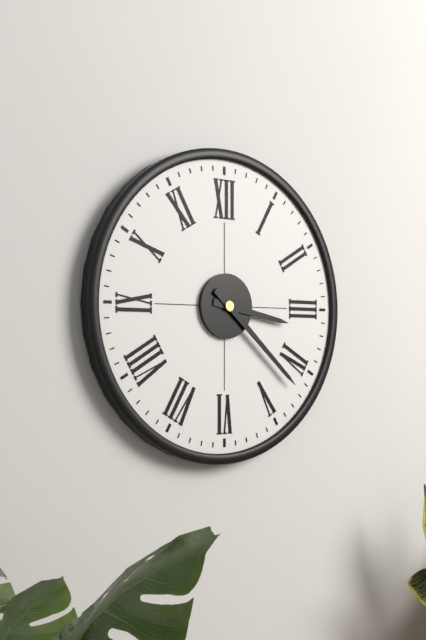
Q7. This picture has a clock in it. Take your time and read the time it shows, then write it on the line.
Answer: 3:22
